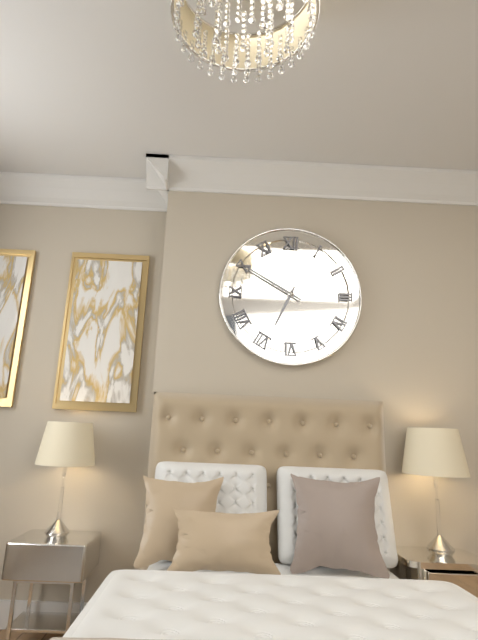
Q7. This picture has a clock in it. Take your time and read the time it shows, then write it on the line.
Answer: 6:50
